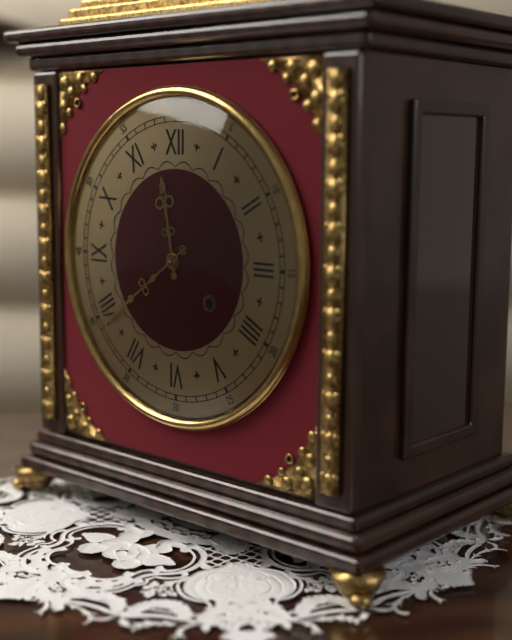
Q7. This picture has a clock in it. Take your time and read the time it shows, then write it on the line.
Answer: 11:39
